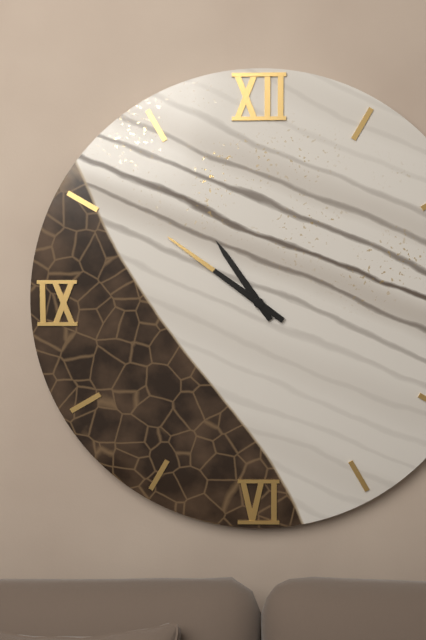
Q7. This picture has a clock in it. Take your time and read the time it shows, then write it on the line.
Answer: 10:51
